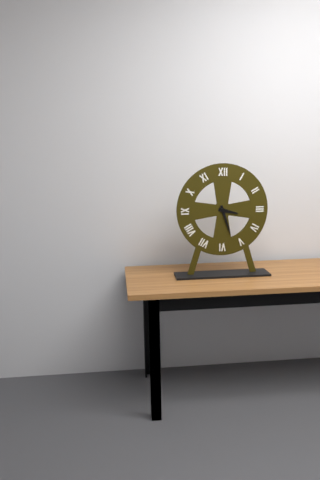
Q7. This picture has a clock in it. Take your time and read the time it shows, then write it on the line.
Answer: 3:27
